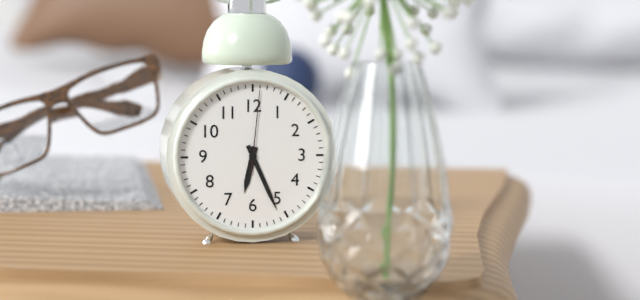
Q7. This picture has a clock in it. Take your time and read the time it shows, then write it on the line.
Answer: 6:26:01
